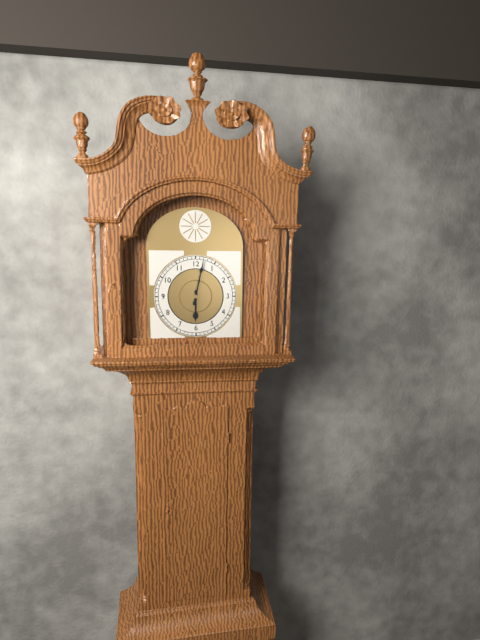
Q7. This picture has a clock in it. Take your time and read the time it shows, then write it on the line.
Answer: 6:02
